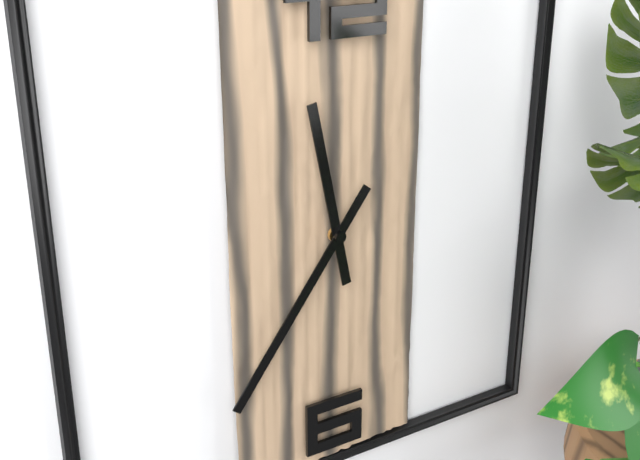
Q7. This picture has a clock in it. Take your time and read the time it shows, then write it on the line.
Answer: 11:36
